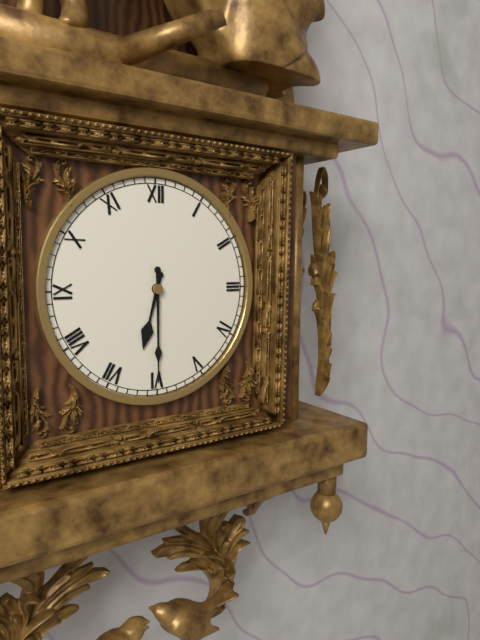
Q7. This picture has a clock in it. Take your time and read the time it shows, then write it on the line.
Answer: 6:30
